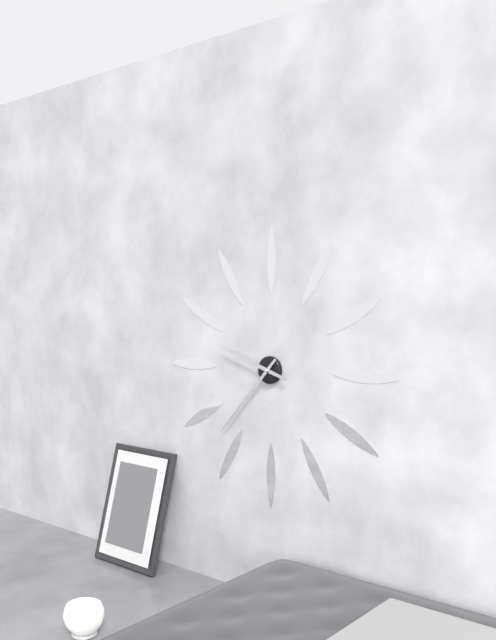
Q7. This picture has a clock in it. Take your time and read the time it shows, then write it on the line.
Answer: 9:37
